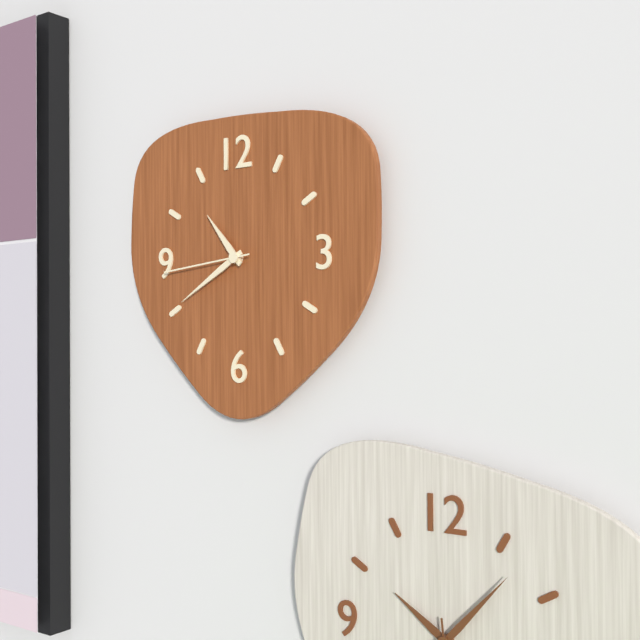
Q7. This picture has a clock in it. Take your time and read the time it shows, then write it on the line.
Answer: 10:40:44
